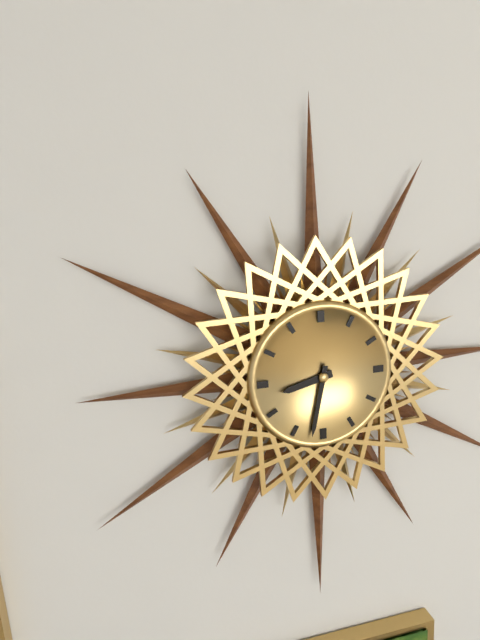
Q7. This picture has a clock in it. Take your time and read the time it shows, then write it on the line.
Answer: 8:32
